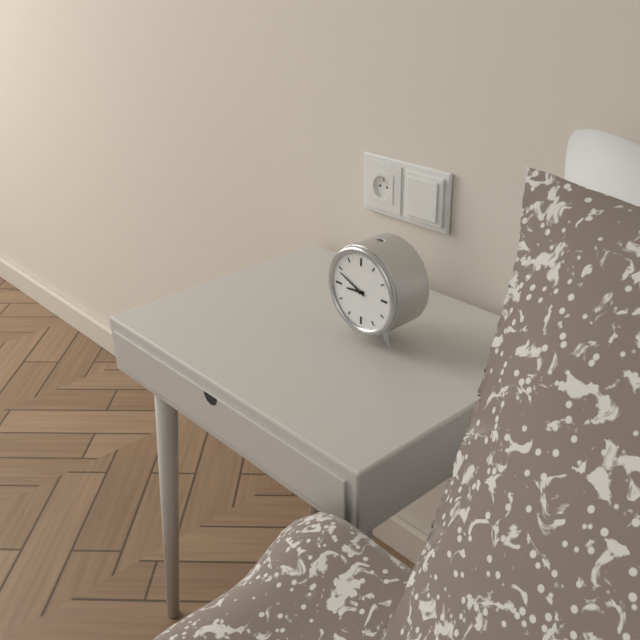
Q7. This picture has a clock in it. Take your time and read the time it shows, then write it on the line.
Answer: 8:49
